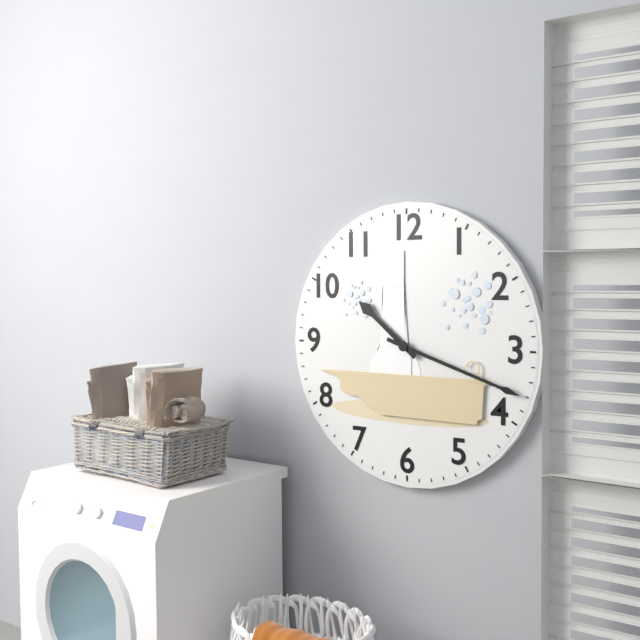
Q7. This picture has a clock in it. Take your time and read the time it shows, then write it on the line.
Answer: 10:18
